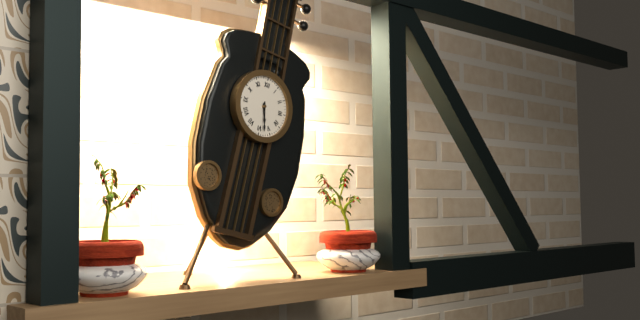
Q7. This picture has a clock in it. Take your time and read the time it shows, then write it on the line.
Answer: 5:28
